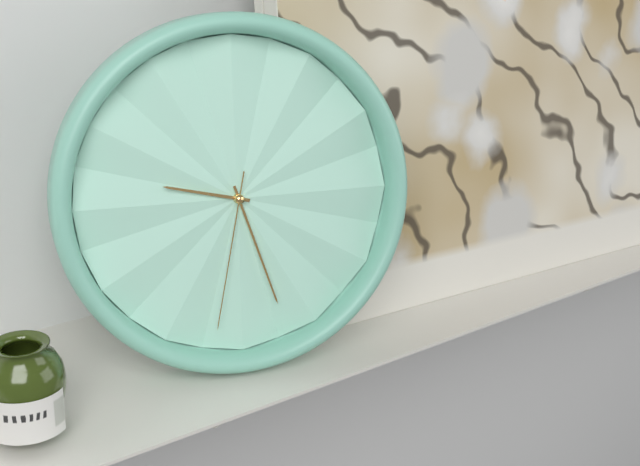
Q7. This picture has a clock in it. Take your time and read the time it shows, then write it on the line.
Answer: 9:27:32
